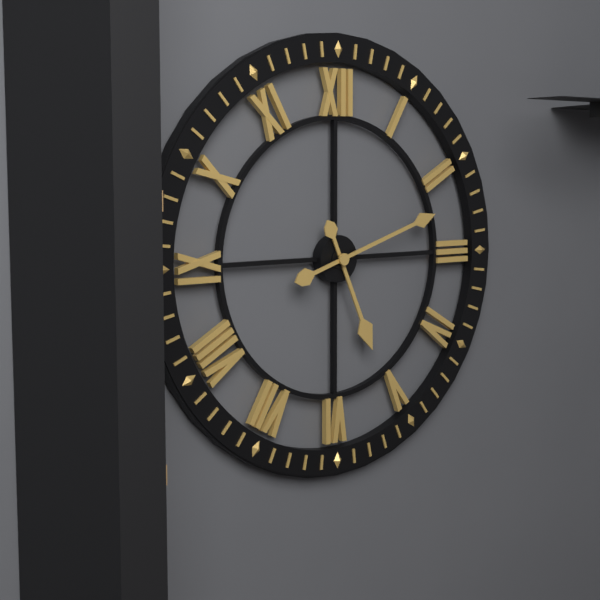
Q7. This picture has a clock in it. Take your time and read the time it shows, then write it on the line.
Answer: 5:12
